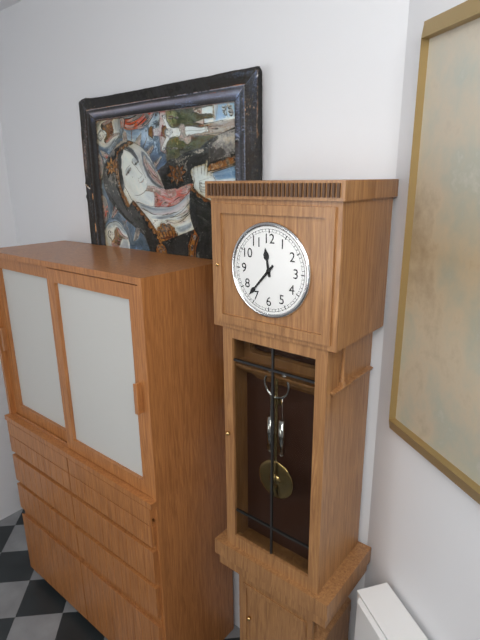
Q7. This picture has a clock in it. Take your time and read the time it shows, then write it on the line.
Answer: 11:37
